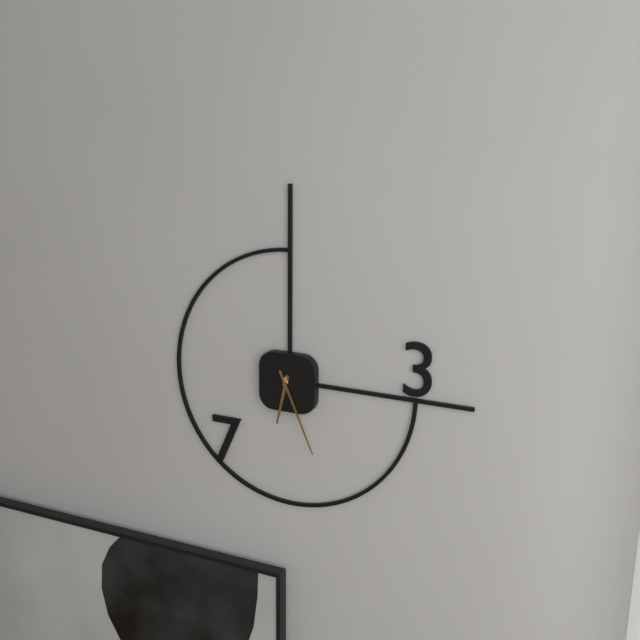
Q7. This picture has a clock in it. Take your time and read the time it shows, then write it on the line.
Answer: 6:26
